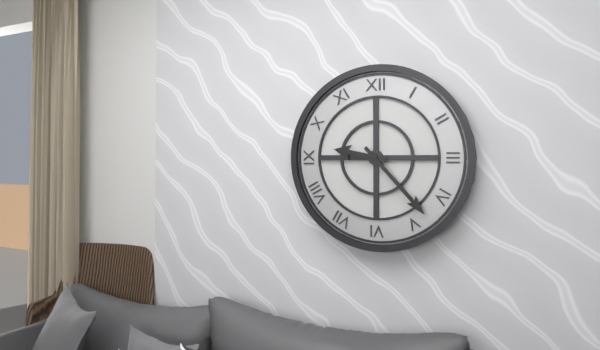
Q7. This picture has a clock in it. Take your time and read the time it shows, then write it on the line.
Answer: 9:23
